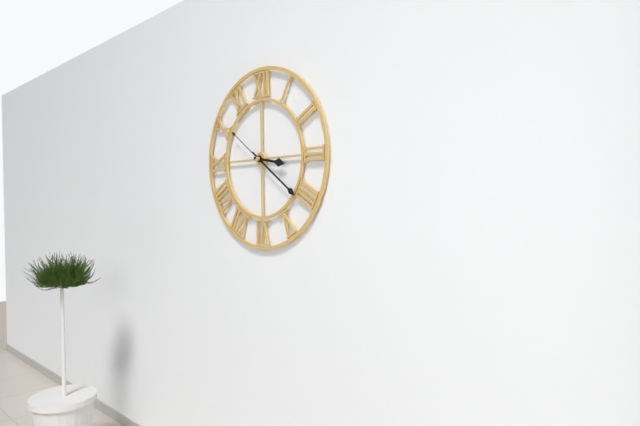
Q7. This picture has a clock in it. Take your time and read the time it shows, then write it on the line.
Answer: 3:21
